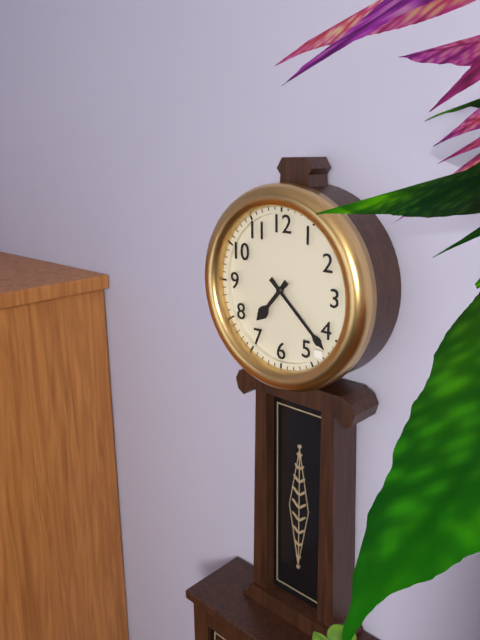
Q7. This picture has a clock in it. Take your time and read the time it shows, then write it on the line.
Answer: 7:22
